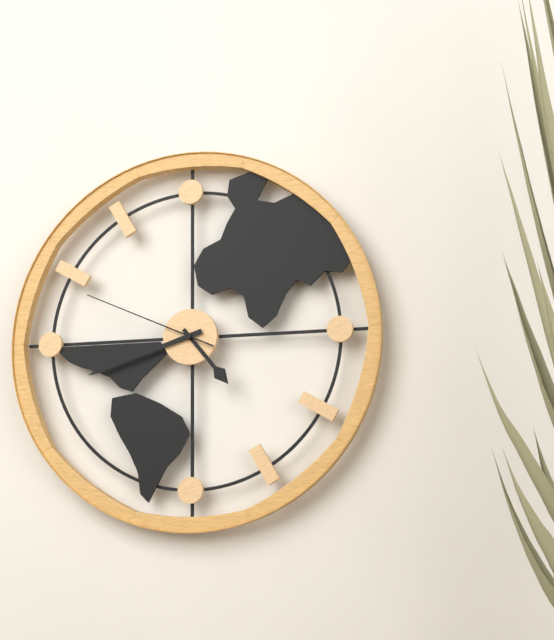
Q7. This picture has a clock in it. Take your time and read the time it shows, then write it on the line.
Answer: 4:42:49
